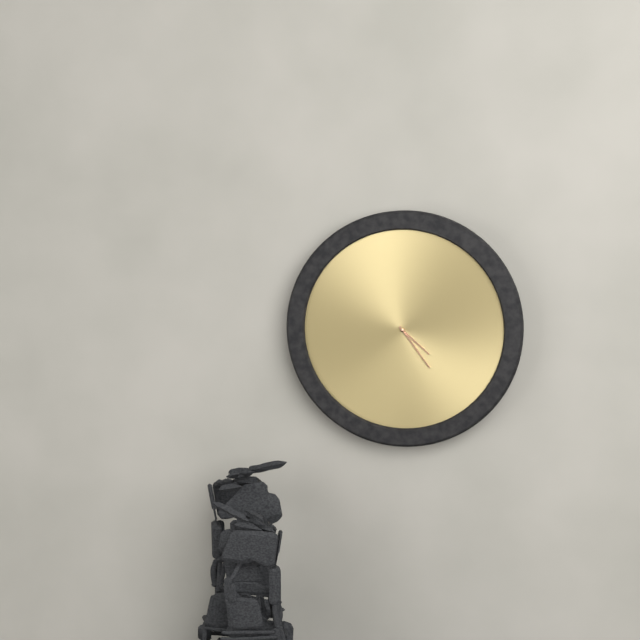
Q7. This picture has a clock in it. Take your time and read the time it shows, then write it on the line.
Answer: 4:24
